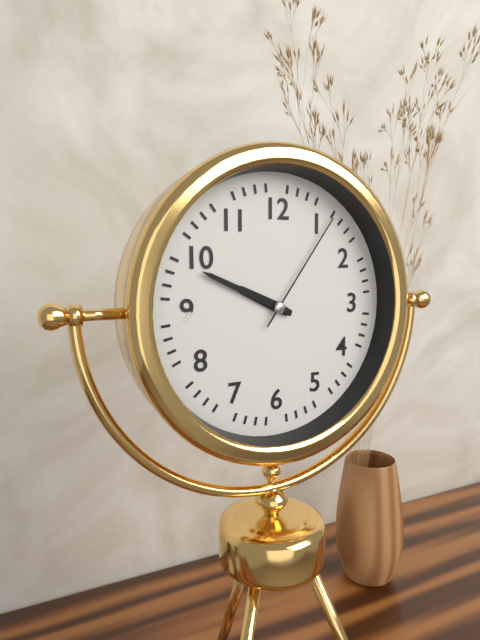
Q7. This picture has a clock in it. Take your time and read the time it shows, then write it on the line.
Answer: 9:49:06
